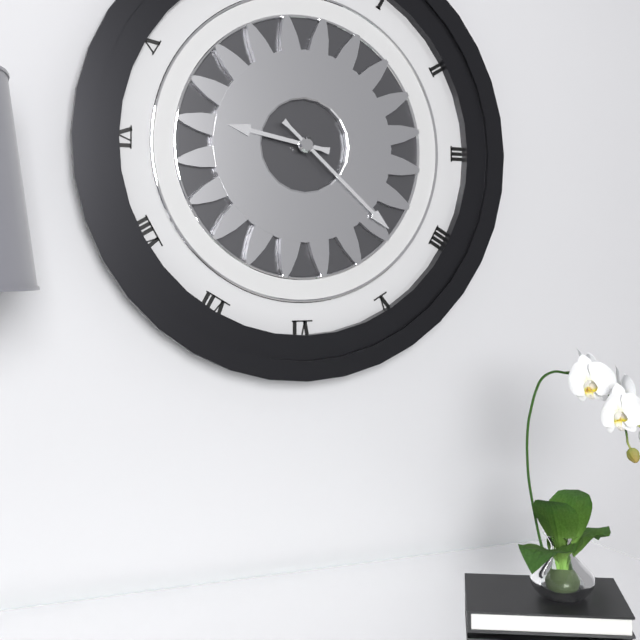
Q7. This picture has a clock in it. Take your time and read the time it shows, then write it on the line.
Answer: 9:22
